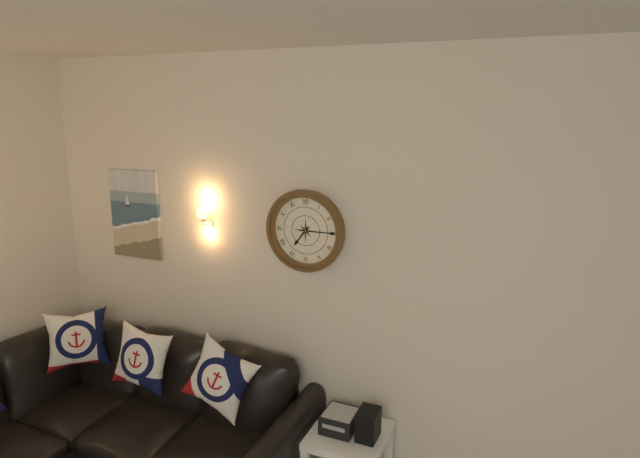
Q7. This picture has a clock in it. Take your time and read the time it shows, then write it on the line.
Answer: 7:15
